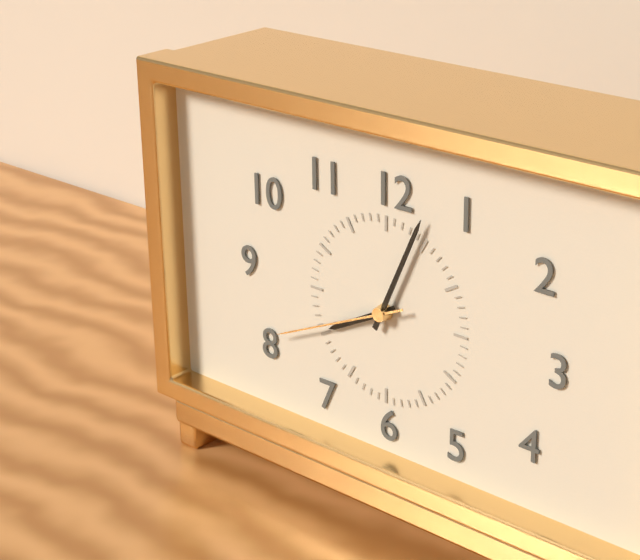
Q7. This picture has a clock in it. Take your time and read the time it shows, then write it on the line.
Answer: 8:04:41
